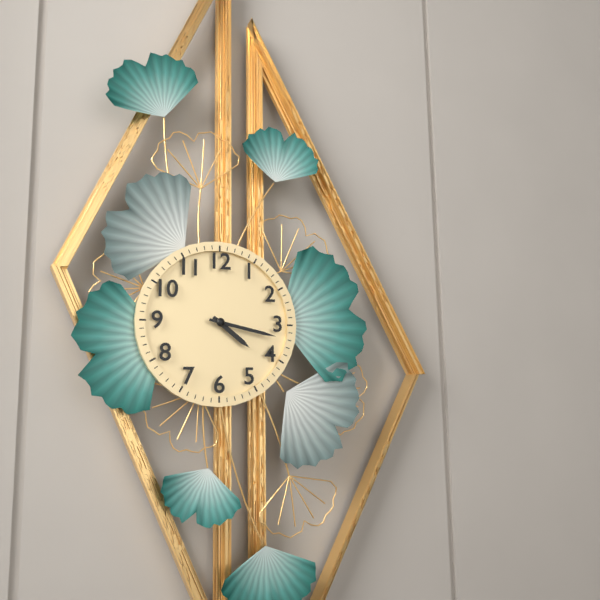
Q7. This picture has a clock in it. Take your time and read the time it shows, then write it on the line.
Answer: 4:17
